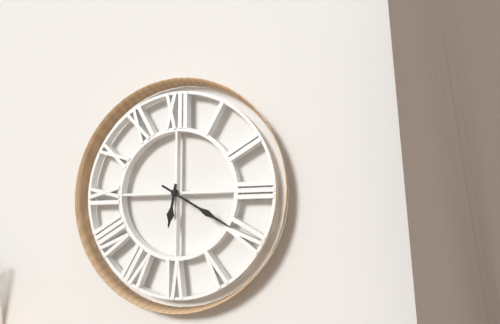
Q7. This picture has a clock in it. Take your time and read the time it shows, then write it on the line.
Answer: 6:20
